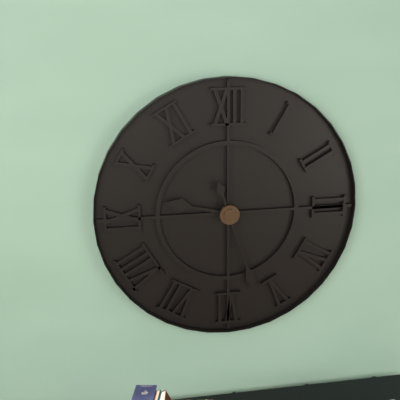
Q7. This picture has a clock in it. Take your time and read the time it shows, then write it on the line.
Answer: 9:27
